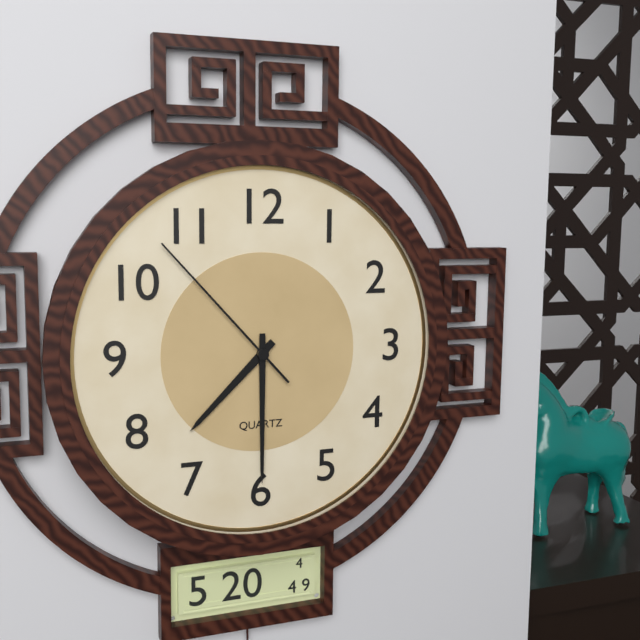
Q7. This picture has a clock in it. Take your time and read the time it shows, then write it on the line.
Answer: 7:30:53
